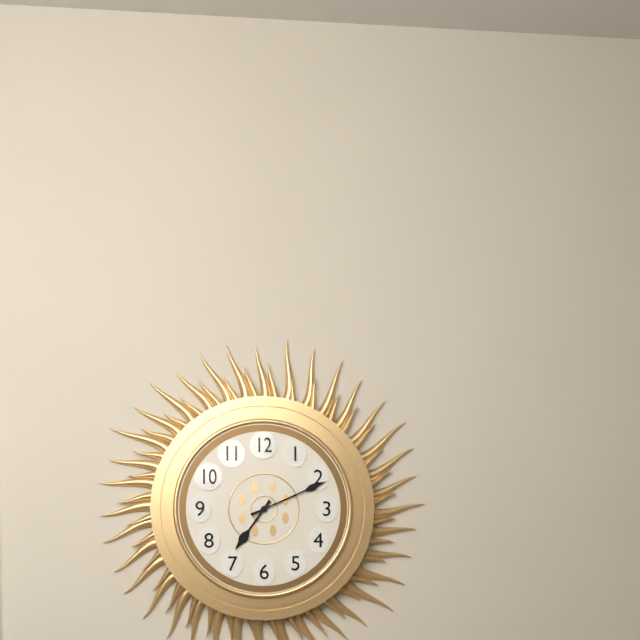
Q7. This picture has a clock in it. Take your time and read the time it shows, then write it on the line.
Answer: 7:11
